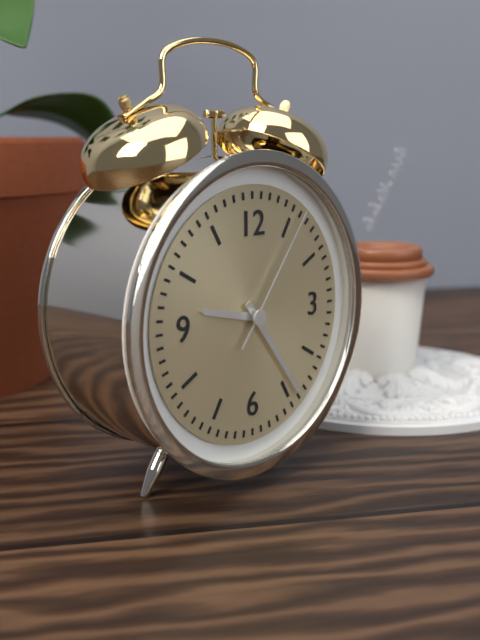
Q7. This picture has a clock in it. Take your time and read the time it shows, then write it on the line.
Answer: 9:24:06
